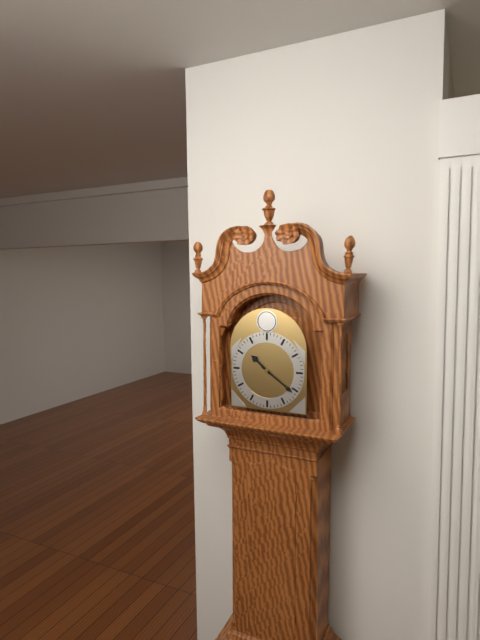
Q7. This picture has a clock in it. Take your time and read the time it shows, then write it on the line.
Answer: 10:21
